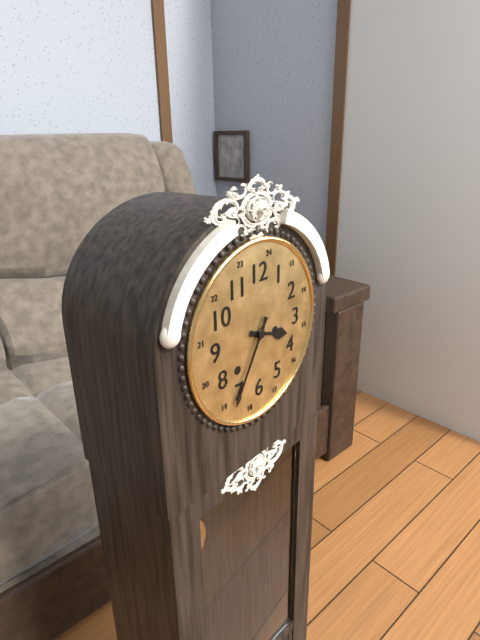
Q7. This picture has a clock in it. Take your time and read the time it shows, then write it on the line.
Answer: 3:35
